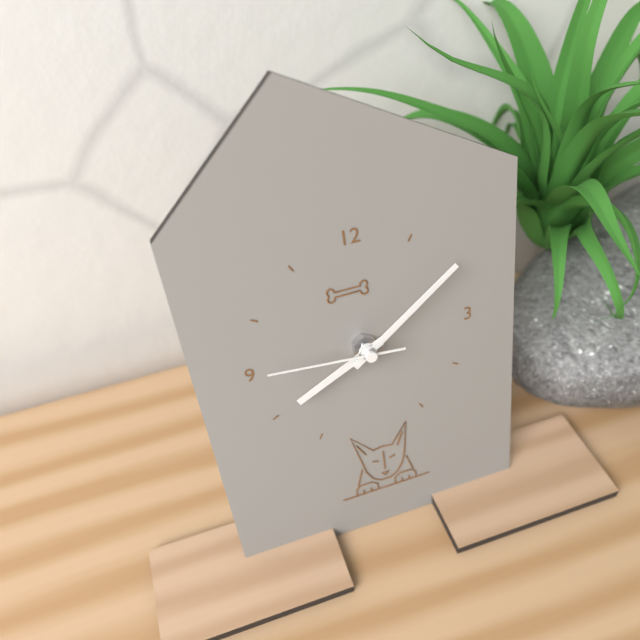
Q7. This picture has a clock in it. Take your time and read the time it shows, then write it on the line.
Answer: 8:09:46
